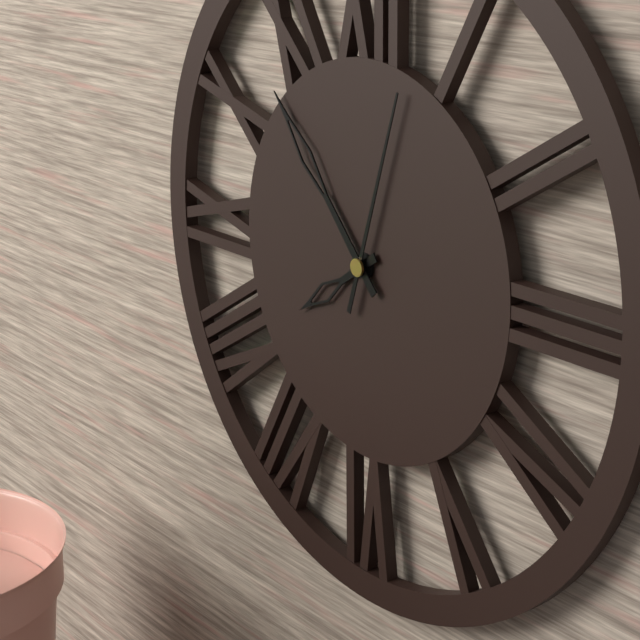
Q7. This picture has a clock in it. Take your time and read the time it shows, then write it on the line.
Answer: 7:53:03
